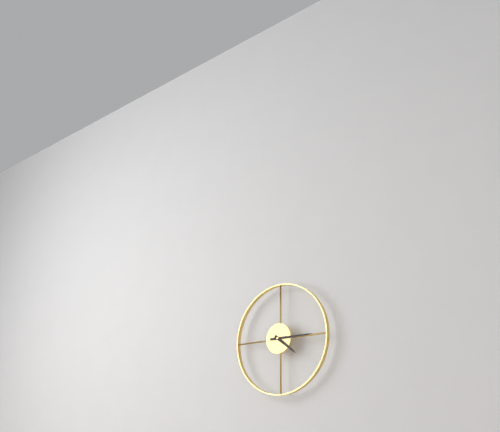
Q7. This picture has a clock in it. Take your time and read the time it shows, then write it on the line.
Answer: 4:15
